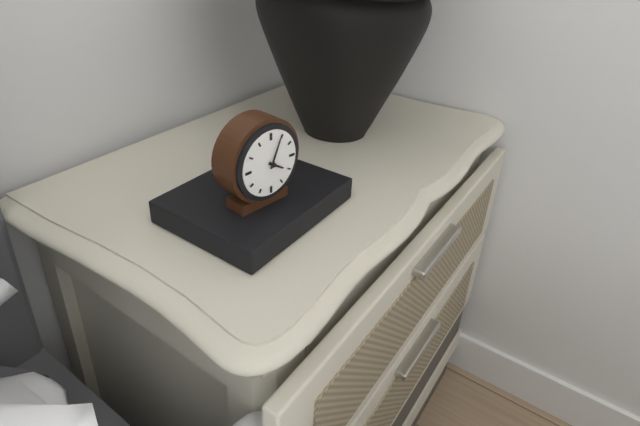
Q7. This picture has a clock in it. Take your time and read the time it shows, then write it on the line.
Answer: 4:04
